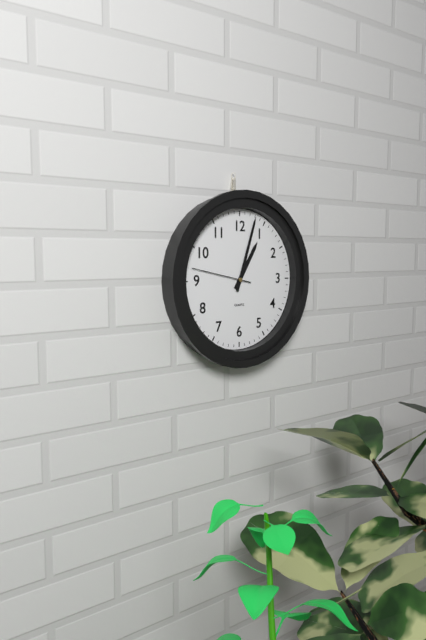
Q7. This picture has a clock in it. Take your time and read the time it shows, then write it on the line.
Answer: 1:03:47
